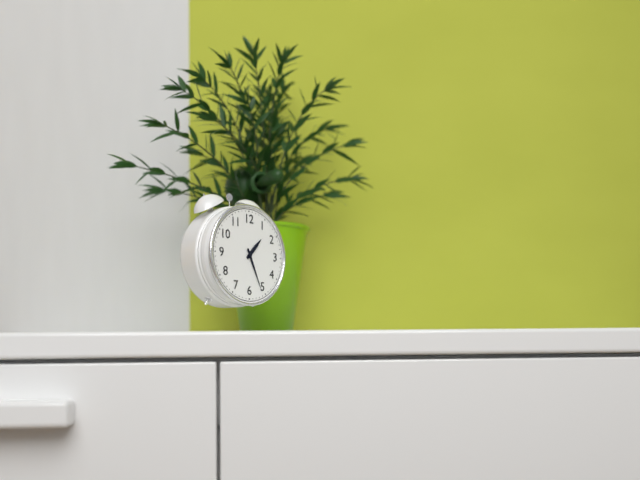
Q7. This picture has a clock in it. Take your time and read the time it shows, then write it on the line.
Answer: 1:26
